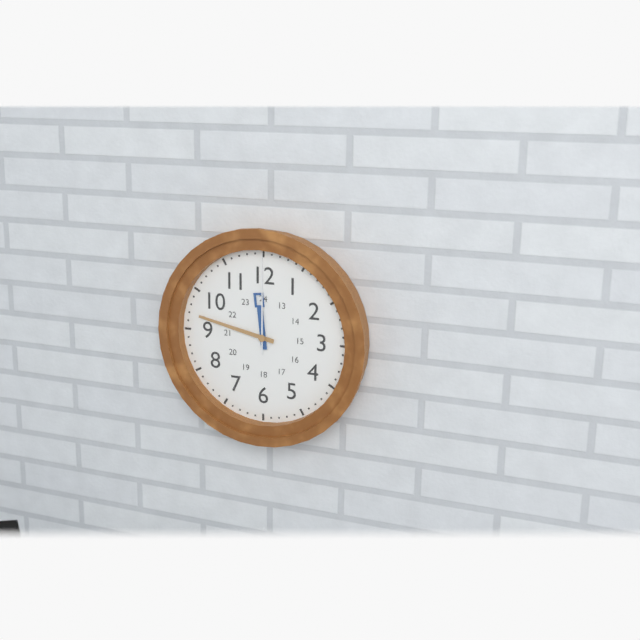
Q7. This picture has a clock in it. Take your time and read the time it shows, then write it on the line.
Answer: 11:47:00
